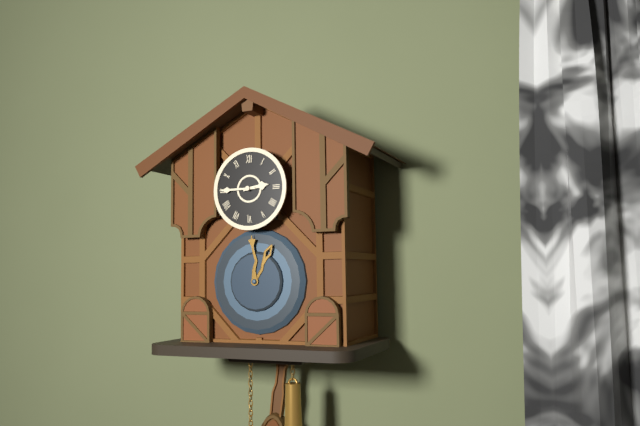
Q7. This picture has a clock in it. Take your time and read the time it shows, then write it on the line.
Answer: 2:45
